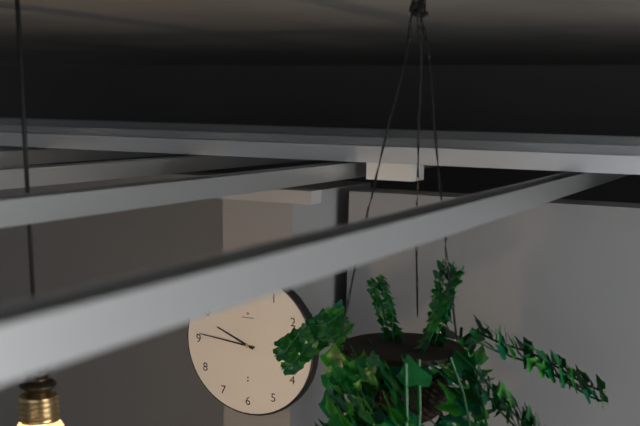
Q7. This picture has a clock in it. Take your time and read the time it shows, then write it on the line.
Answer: 9:46
